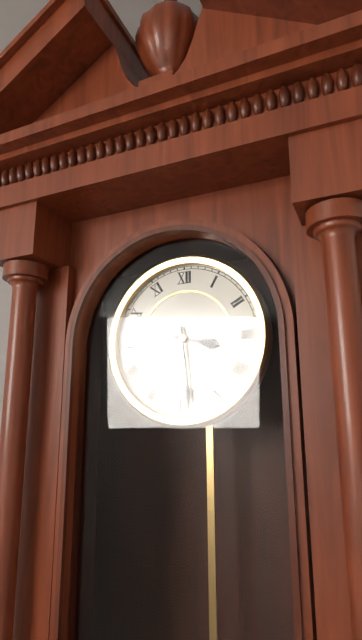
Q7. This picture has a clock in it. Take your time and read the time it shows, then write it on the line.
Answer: 3:29
